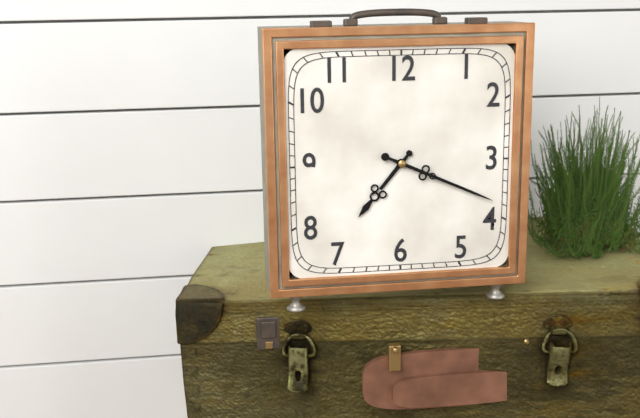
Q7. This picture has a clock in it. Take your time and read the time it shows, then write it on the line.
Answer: 7:19
